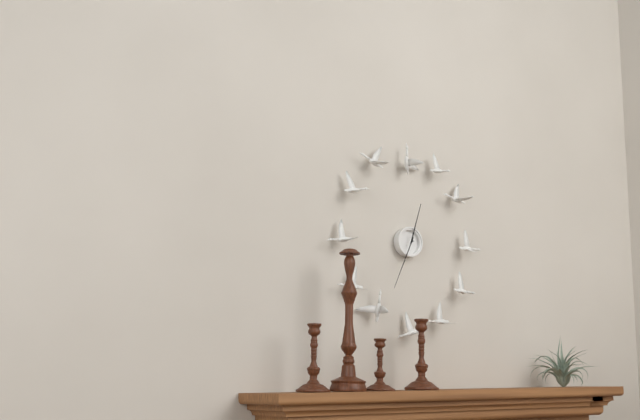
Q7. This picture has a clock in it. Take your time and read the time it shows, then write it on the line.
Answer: 12:34
